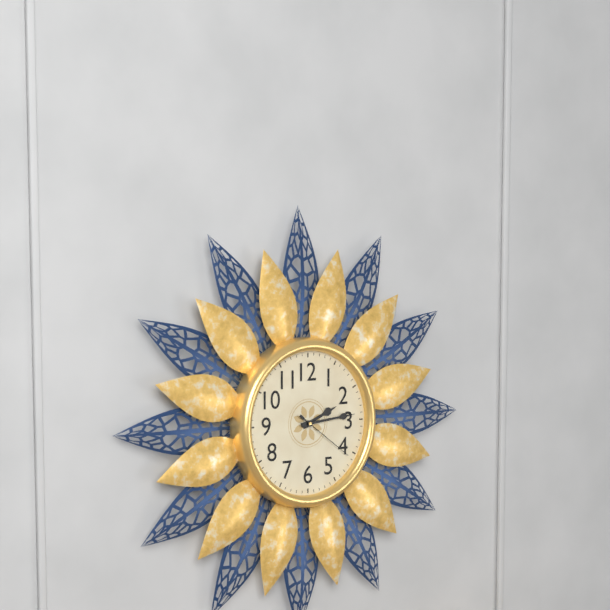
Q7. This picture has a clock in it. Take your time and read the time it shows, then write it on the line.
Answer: 2:14:21
